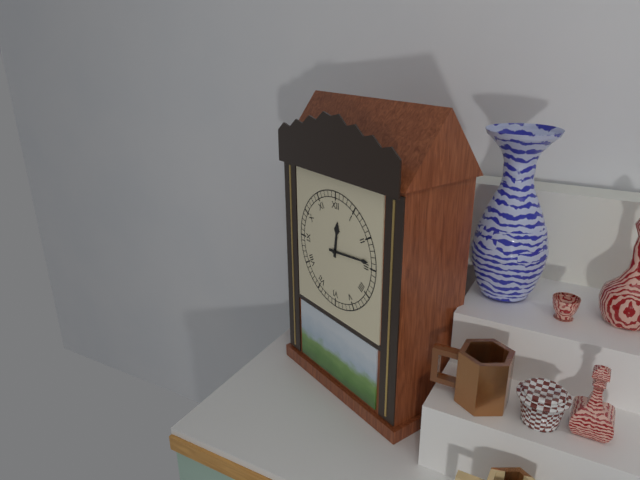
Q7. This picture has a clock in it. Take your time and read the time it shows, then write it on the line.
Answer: 12:14
